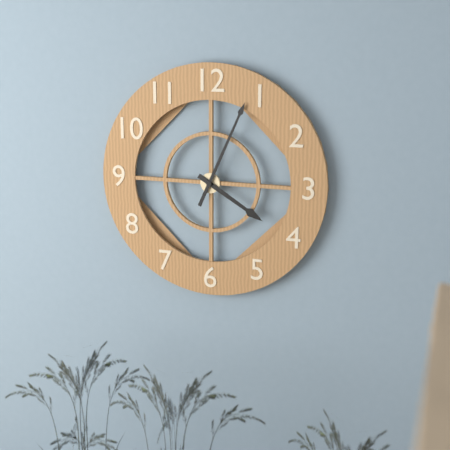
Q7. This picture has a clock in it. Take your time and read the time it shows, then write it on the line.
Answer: 4:04
